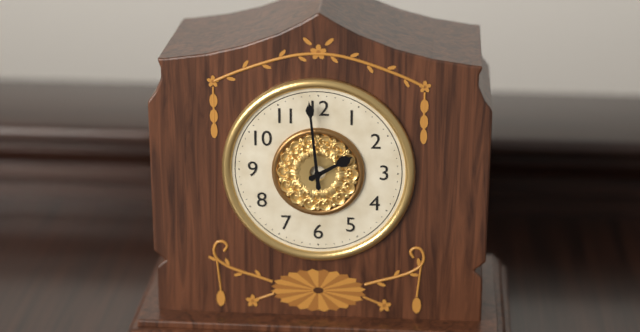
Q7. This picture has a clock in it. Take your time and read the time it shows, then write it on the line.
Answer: 1:59
